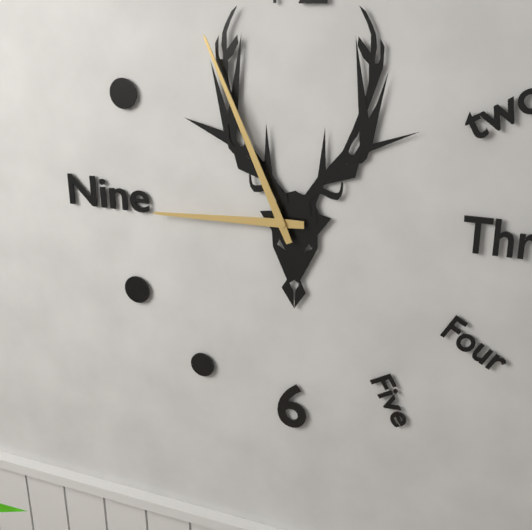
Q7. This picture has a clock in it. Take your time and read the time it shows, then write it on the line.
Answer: 8:56
